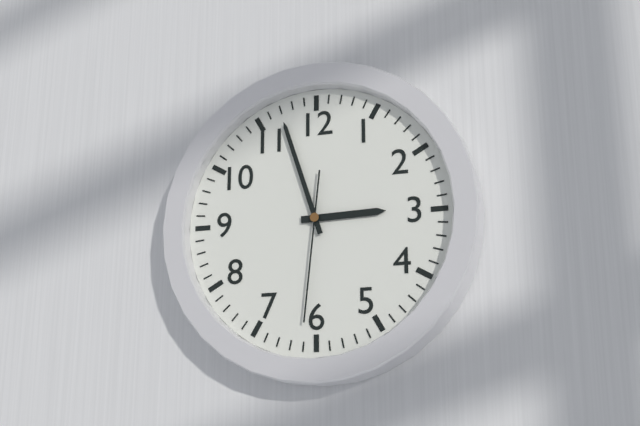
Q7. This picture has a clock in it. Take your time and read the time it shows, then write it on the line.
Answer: 2:57:31
